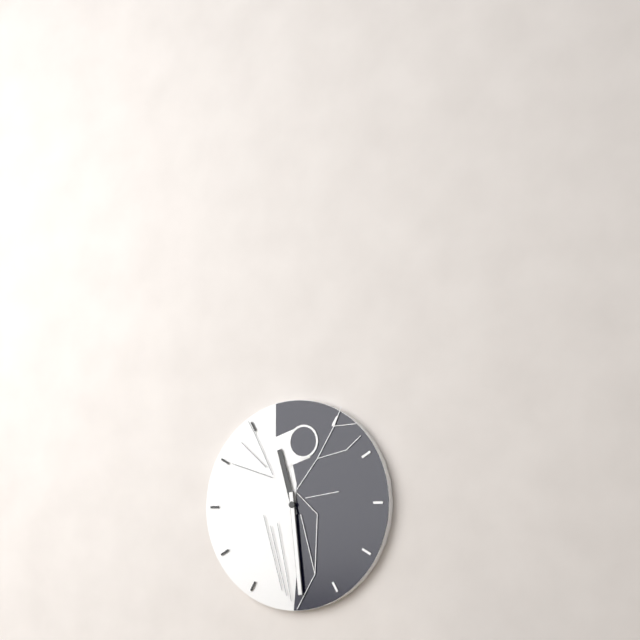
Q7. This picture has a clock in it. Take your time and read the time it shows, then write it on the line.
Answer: 11:29
